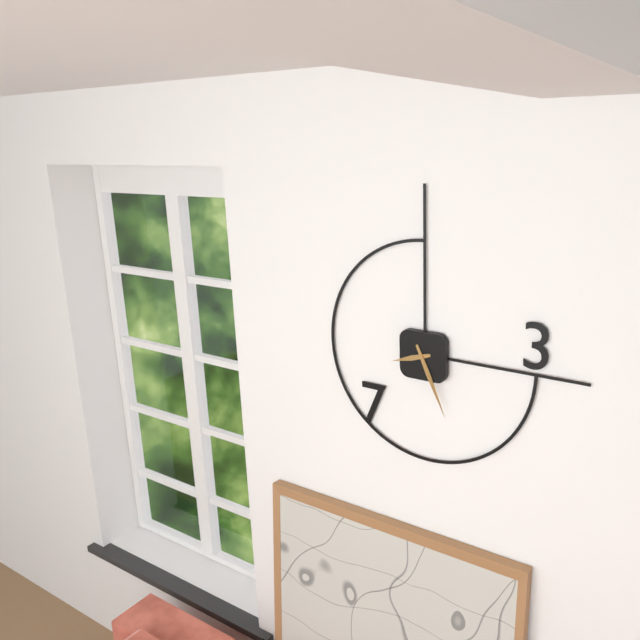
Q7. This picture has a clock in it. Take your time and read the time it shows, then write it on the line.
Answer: 8:26
